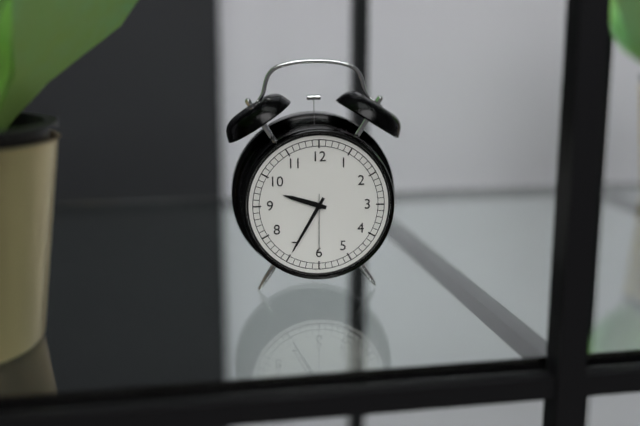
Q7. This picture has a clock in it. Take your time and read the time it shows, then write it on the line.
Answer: 9:35:30
